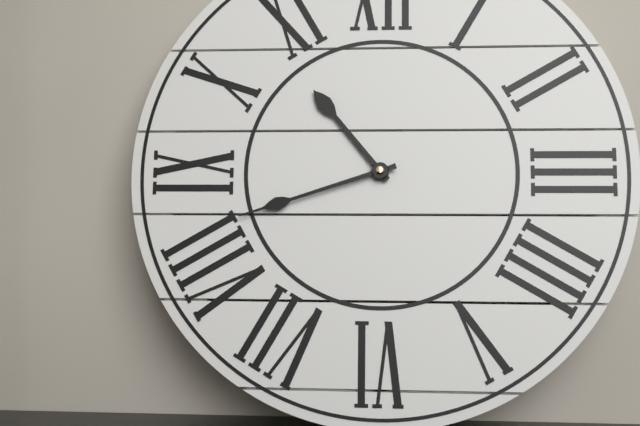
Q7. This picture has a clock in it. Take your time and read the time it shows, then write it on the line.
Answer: 10:42
